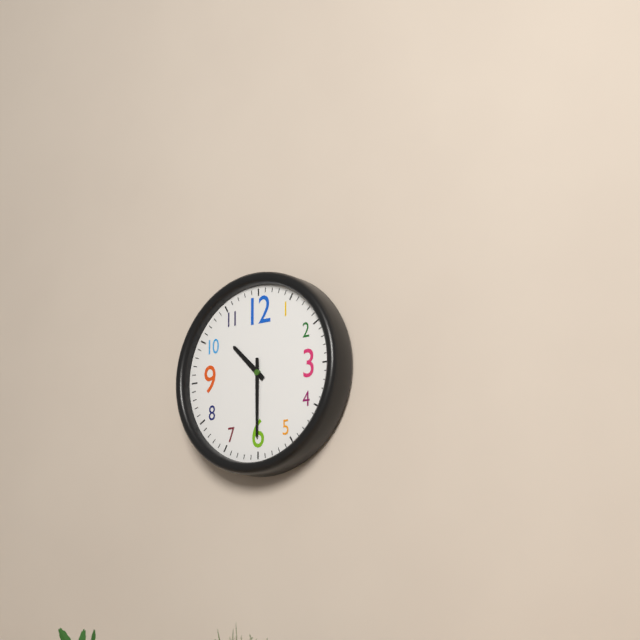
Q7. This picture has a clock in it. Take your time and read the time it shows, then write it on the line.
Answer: 10:30
